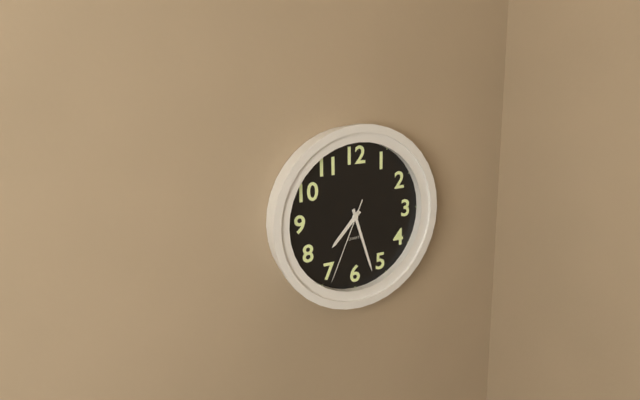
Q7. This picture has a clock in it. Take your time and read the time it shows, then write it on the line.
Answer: 7:27:34
